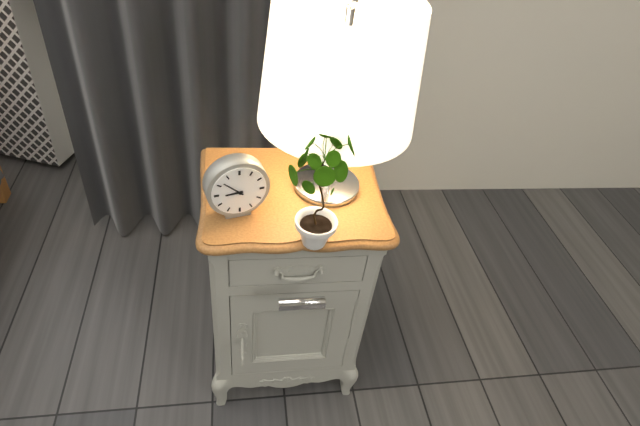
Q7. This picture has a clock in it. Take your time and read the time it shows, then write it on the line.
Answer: 8:52
